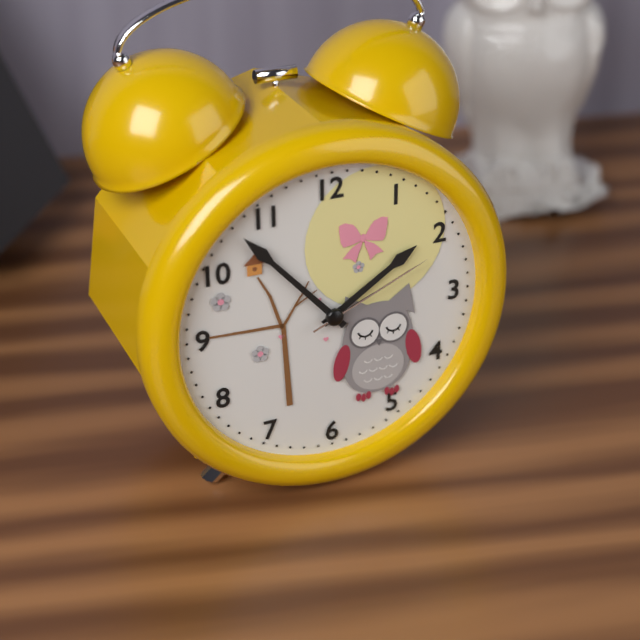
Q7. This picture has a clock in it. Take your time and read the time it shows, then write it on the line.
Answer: 1:53:11
